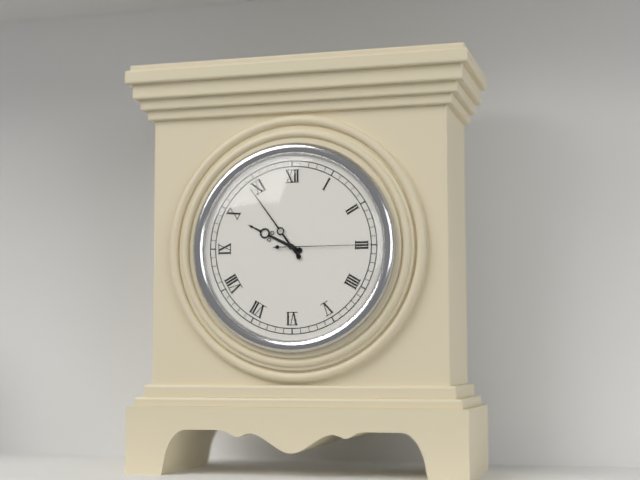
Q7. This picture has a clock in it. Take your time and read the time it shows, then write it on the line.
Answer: 9:54:15
